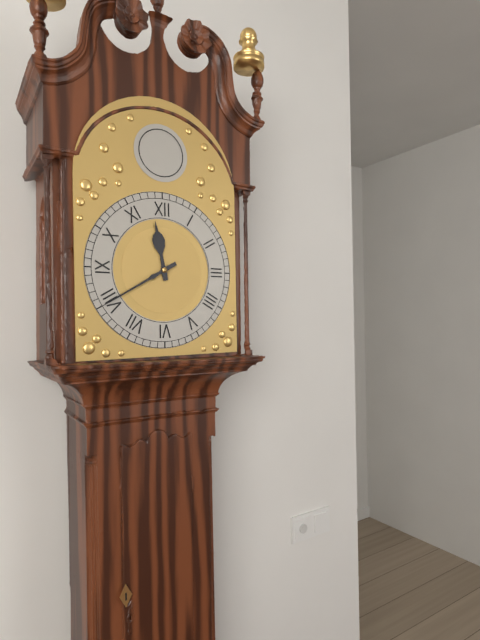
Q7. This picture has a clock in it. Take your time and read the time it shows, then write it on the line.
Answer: 11:40
